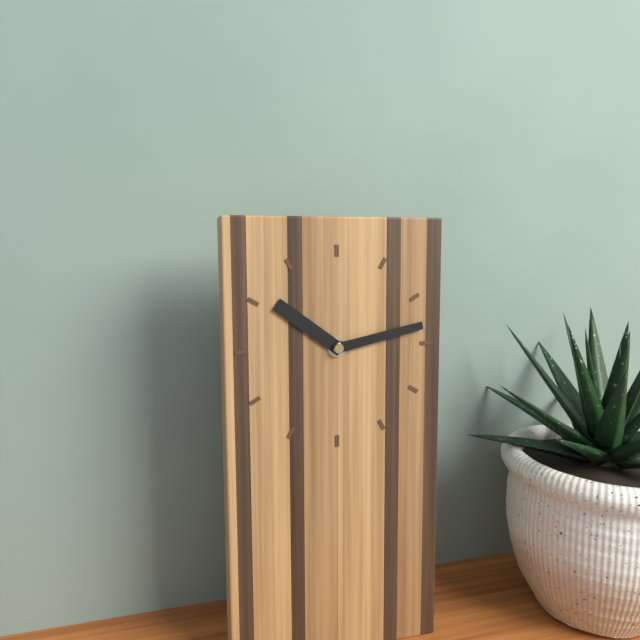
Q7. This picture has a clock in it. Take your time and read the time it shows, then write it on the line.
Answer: 10:13
